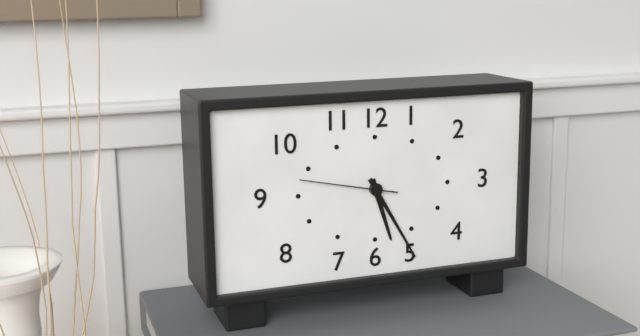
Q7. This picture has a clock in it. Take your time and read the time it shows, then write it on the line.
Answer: 5:25:47
